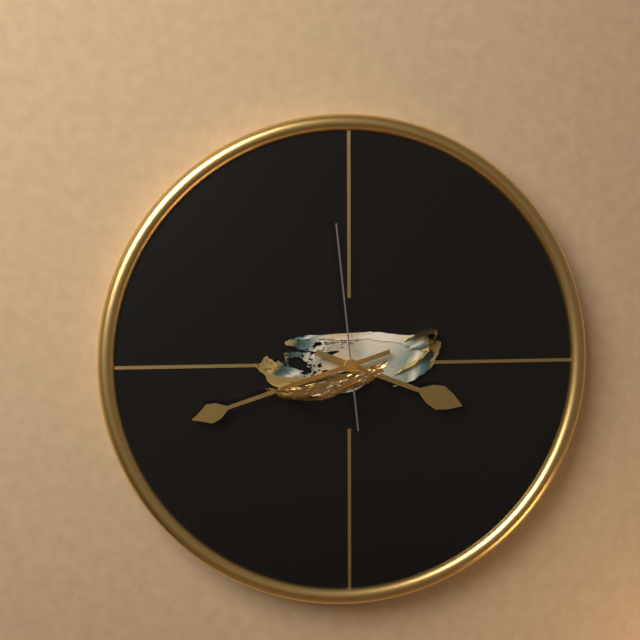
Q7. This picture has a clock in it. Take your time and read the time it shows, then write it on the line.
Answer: 3:42:59
